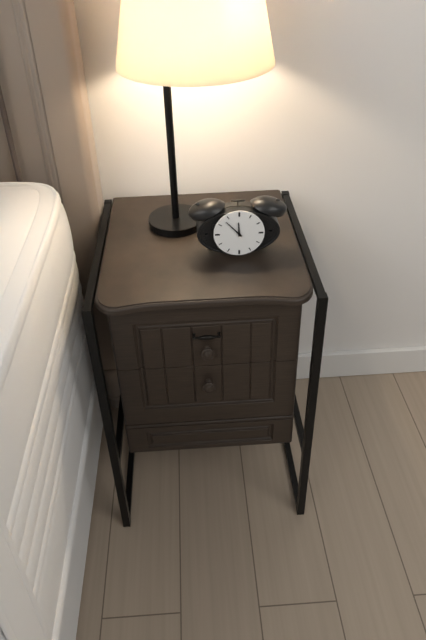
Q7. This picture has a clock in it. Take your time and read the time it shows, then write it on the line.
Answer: 11:53
